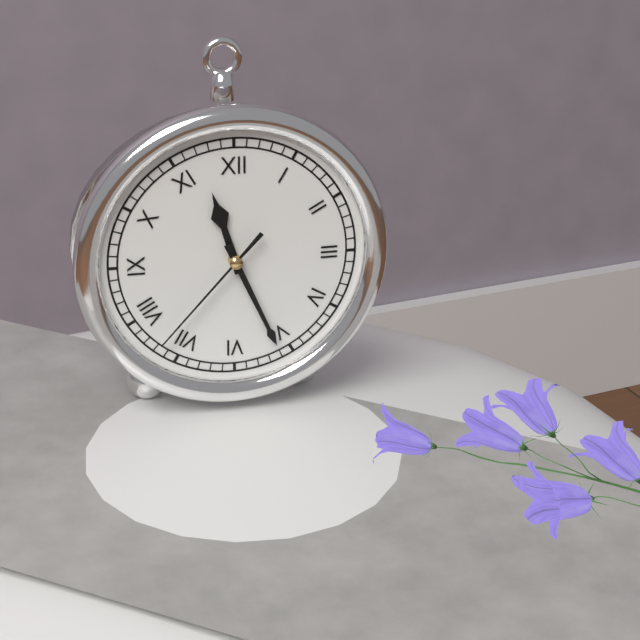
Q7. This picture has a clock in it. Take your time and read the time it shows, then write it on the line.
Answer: 11:26:37
